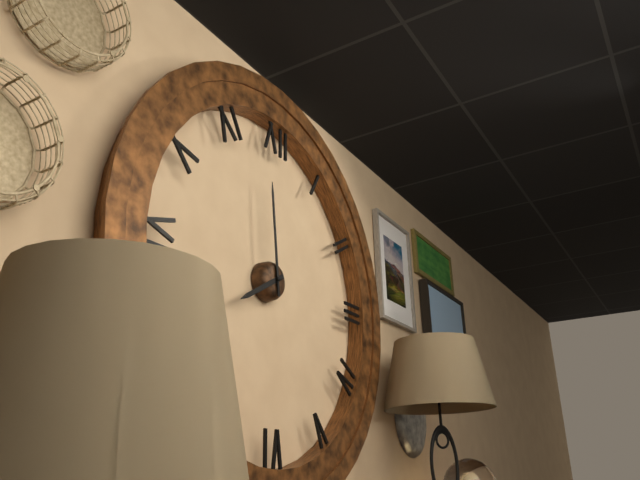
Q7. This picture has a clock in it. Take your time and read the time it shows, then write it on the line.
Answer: 7:59
